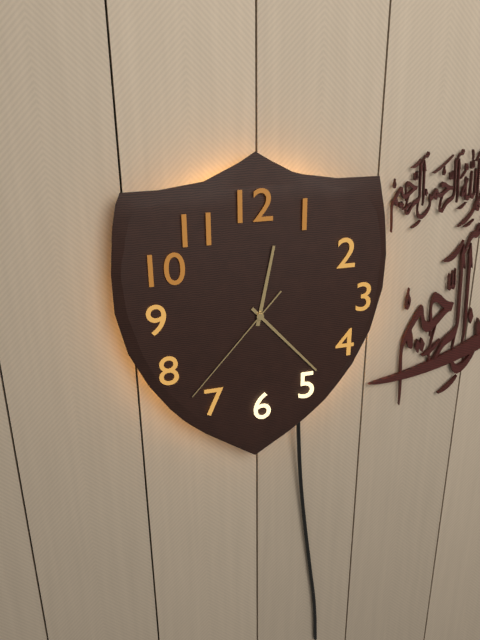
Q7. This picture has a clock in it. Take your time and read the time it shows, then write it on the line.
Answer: 12:23:37
